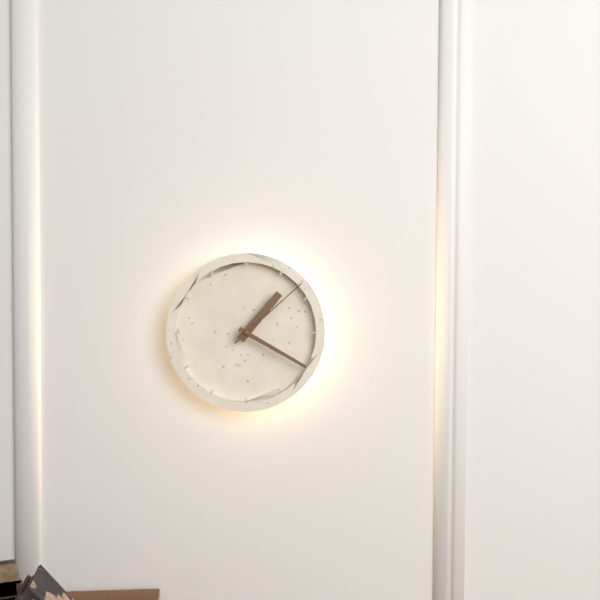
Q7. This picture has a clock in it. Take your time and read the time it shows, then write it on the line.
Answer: 1:20:08
